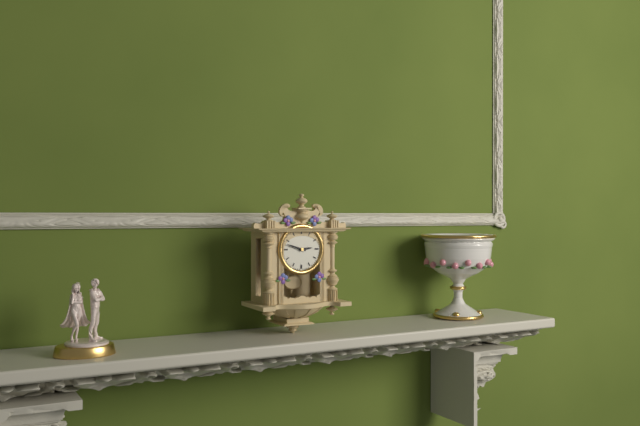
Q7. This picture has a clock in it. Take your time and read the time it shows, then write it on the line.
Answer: 2:48
